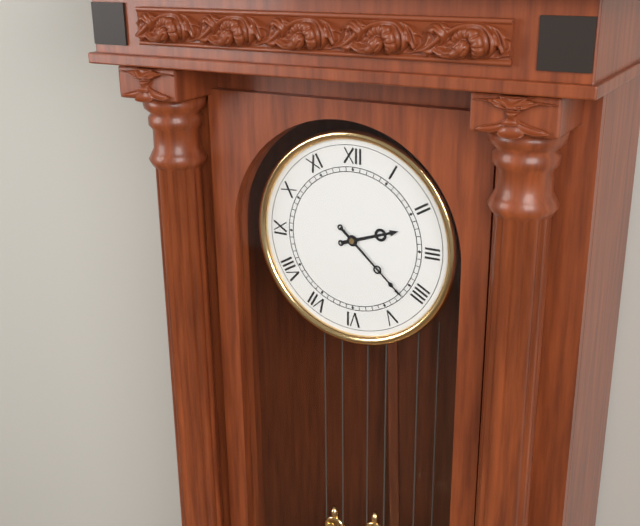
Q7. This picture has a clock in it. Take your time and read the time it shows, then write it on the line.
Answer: 2:22
